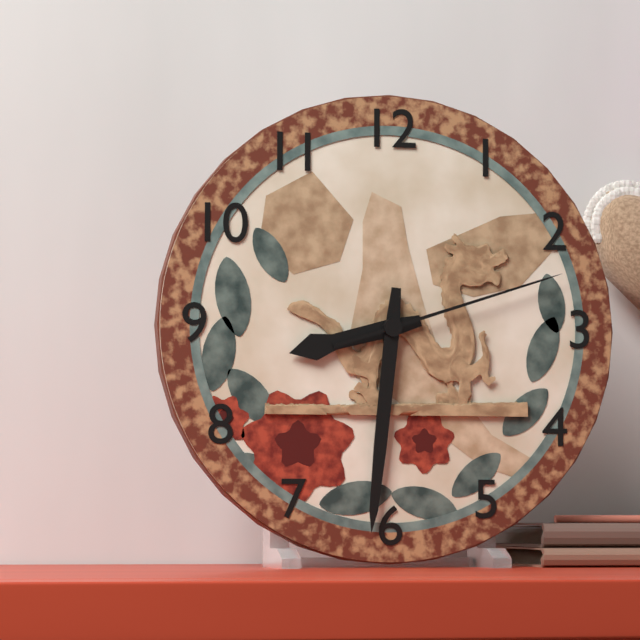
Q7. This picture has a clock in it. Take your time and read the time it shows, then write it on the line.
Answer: 8:31:12
